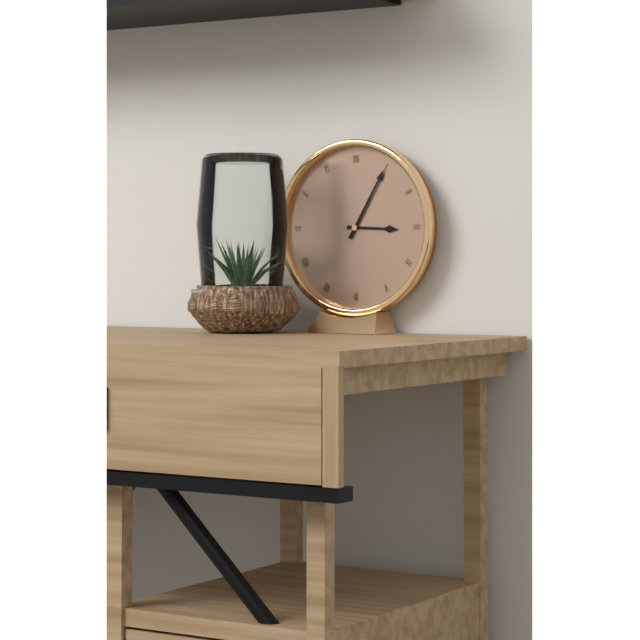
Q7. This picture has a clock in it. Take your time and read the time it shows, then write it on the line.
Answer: 3:05
